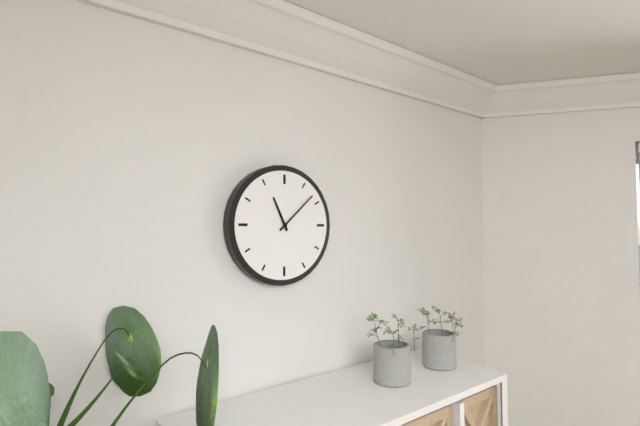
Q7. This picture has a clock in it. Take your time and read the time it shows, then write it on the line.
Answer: 11:08
